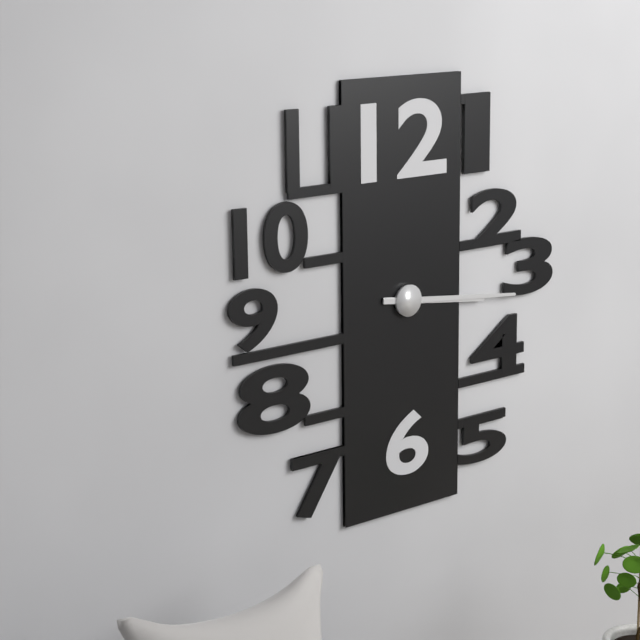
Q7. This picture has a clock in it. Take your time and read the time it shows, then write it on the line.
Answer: 3:16
